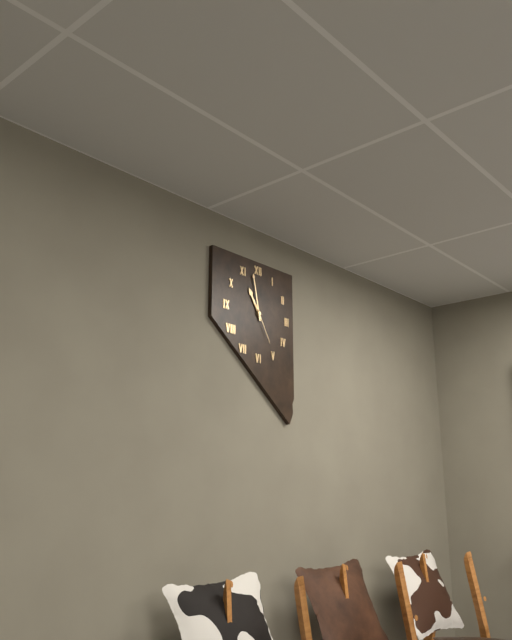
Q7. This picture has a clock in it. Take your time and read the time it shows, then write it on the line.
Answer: 10:58
